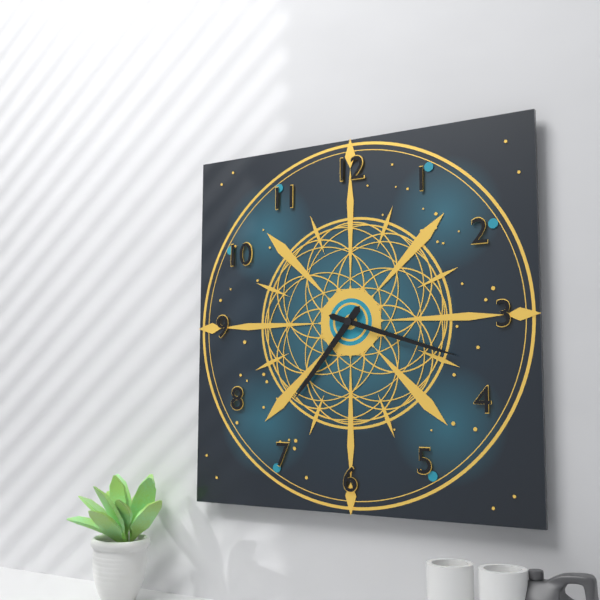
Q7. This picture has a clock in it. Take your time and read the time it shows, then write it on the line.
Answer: 7:18
